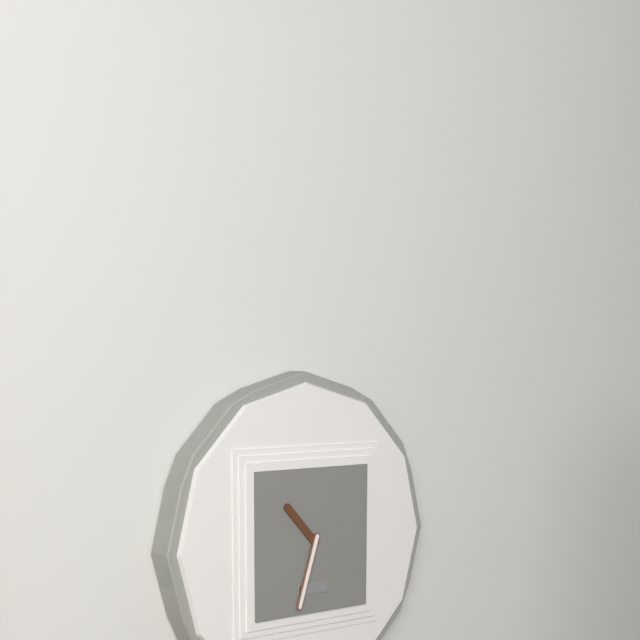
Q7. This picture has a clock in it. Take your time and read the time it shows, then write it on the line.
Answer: 10:33
